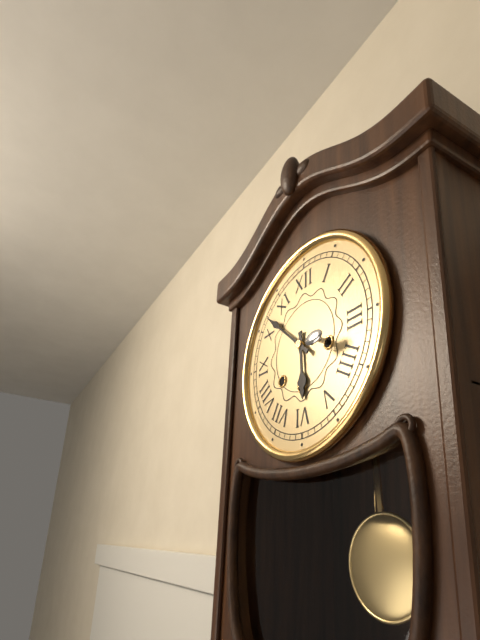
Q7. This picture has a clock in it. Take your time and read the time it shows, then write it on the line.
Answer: 5:52
